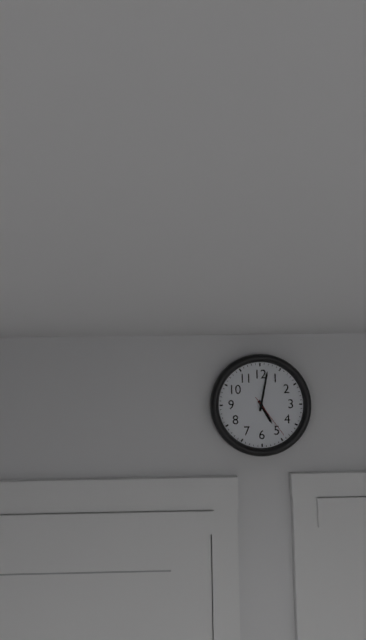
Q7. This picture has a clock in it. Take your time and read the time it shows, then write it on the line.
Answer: 5:02
